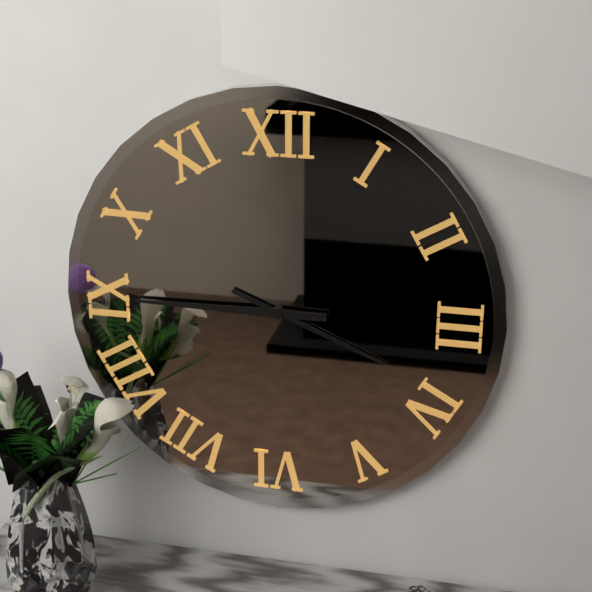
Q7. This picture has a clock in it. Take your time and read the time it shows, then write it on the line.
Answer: 3:45
